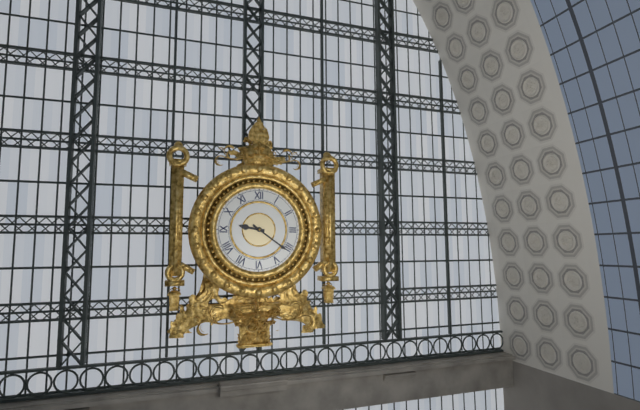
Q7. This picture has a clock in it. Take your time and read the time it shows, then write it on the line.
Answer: 9:21
